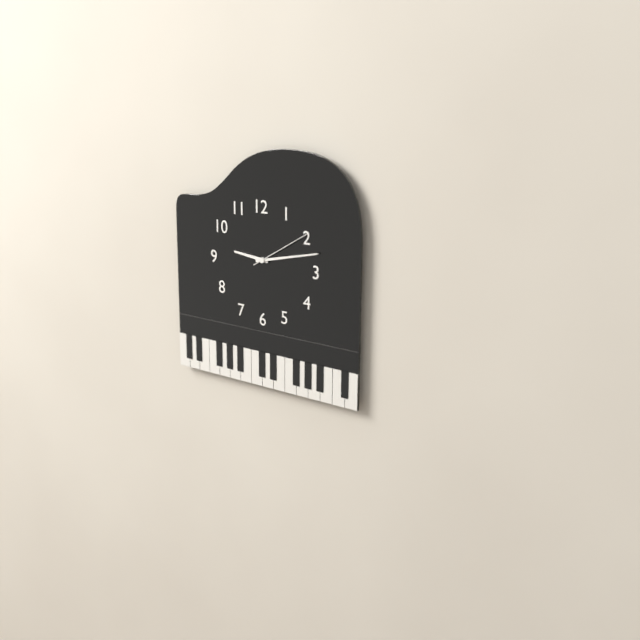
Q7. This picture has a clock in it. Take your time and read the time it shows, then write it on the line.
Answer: 9:13:10
